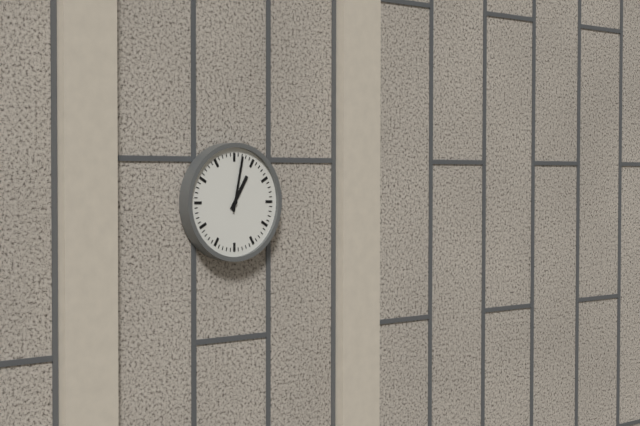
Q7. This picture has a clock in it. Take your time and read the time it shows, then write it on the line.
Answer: 1:02
